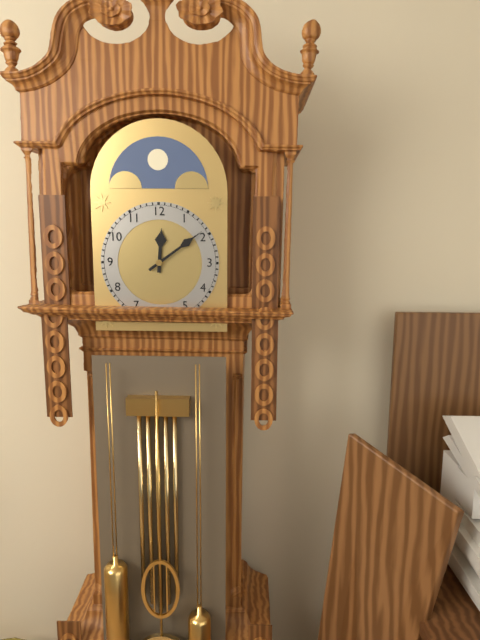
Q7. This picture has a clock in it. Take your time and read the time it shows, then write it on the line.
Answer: 12:09
